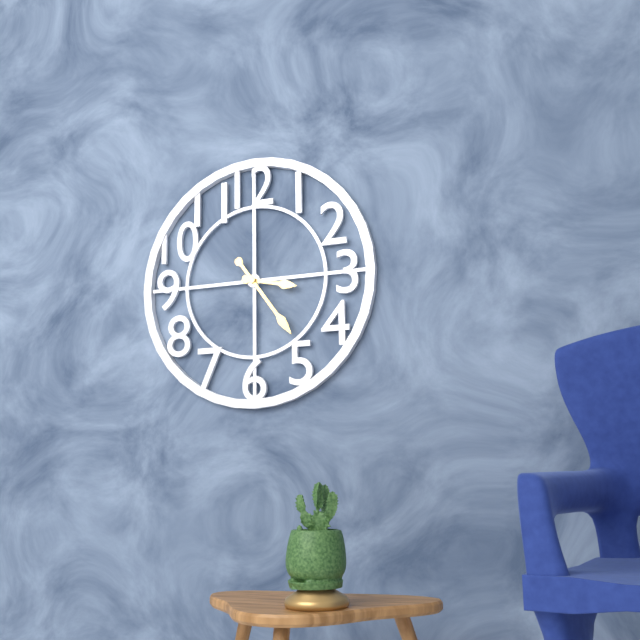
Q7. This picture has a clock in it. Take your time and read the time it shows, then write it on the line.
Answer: 3:24
